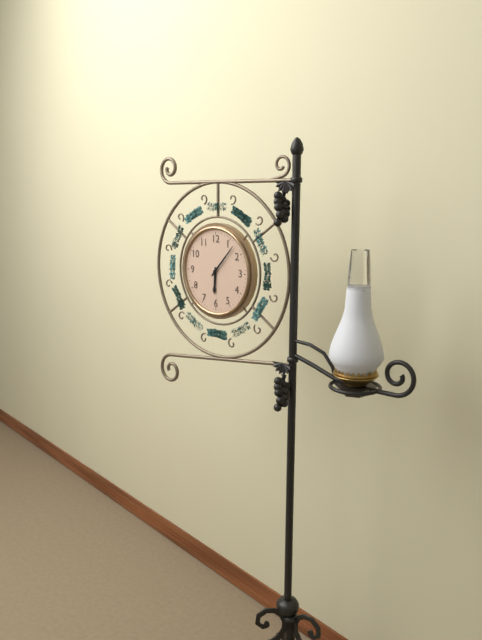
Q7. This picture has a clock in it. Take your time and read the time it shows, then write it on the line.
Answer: 6:07
